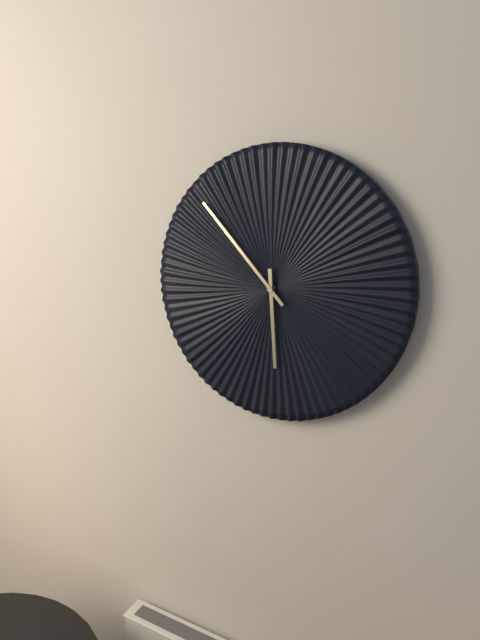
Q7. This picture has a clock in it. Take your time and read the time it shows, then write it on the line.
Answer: 5:53
